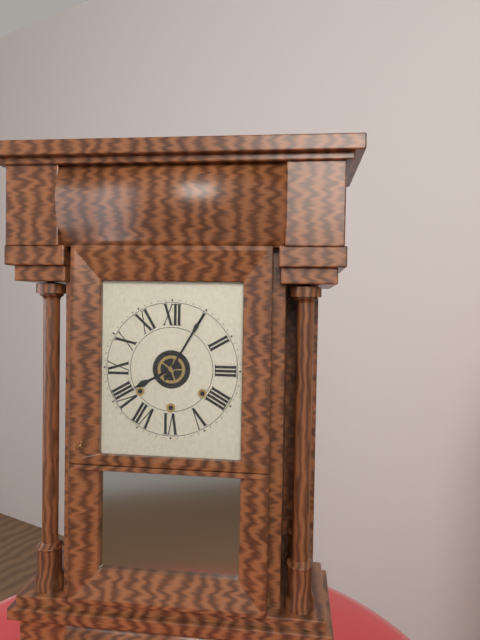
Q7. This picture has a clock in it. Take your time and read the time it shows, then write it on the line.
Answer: 8:05
